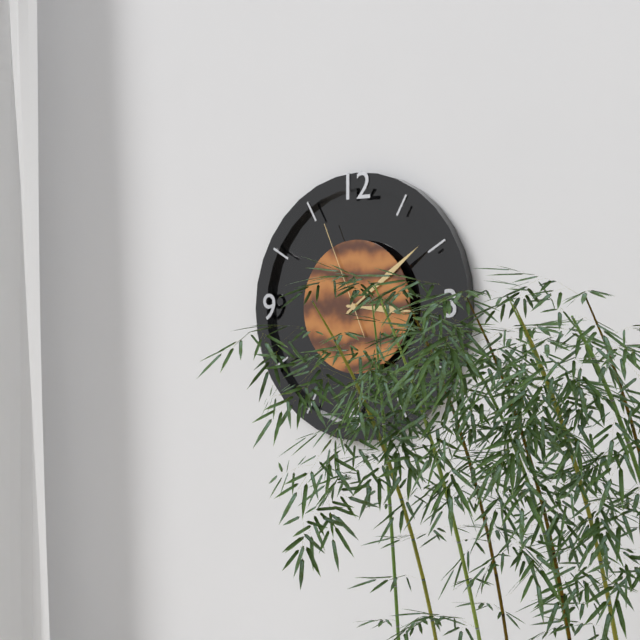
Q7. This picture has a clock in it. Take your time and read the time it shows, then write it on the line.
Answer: 3:09:56
